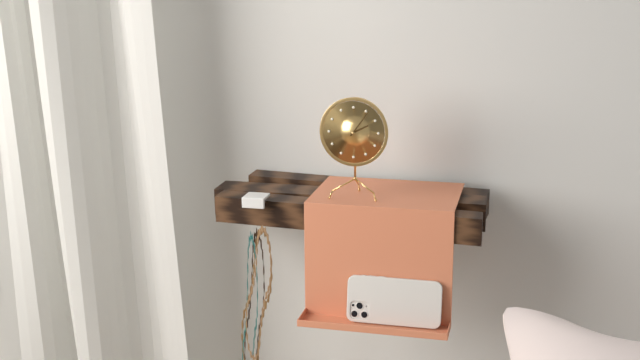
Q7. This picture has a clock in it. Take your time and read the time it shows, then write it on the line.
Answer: 2:06
